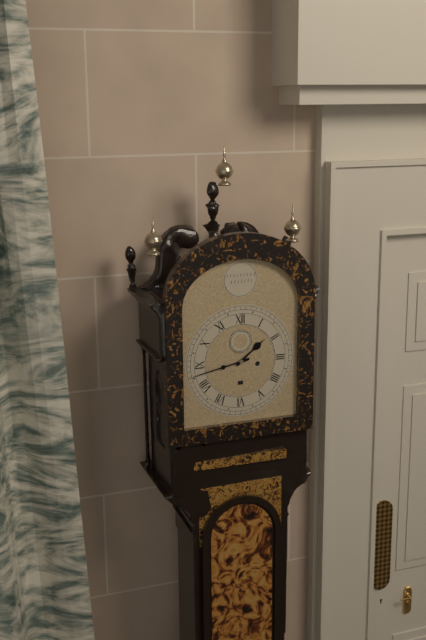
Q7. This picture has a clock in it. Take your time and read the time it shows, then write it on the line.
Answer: 1:43
